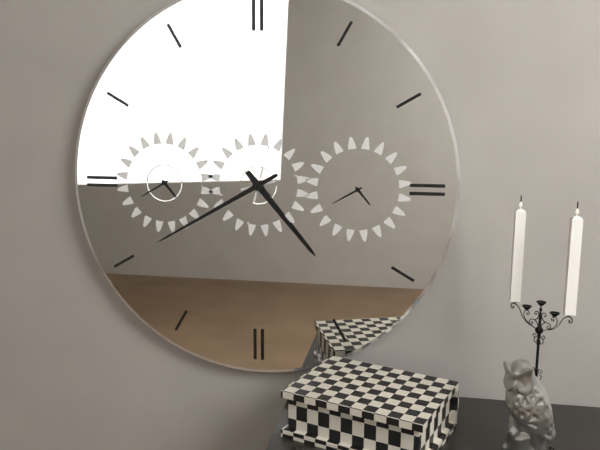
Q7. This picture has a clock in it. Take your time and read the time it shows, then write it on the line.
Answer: 4:40
